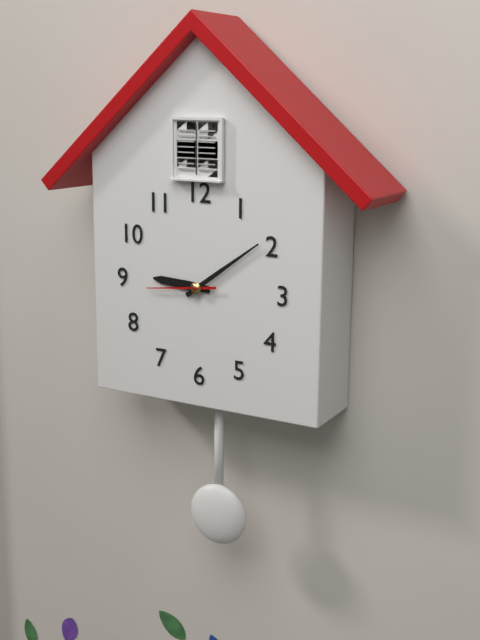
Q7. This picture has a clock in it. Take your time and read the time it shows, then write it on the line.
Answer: 9:09:44
